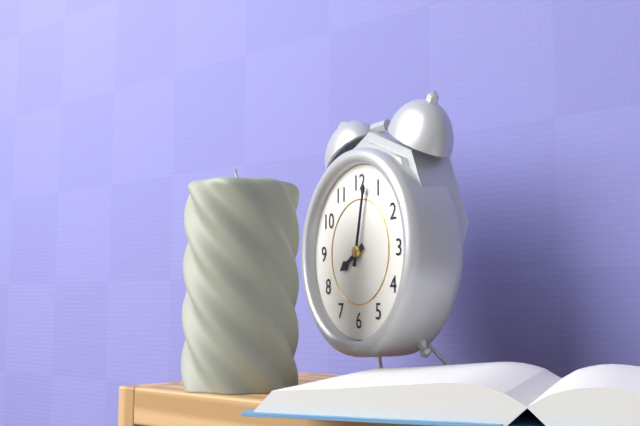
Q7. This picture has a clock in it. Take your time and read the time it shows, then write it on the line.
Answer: 8:02
